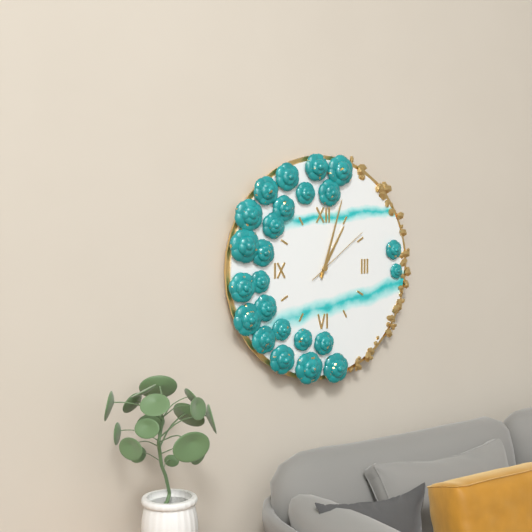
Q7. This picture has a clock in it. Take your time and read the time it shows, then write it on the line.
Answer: 1:03:09
